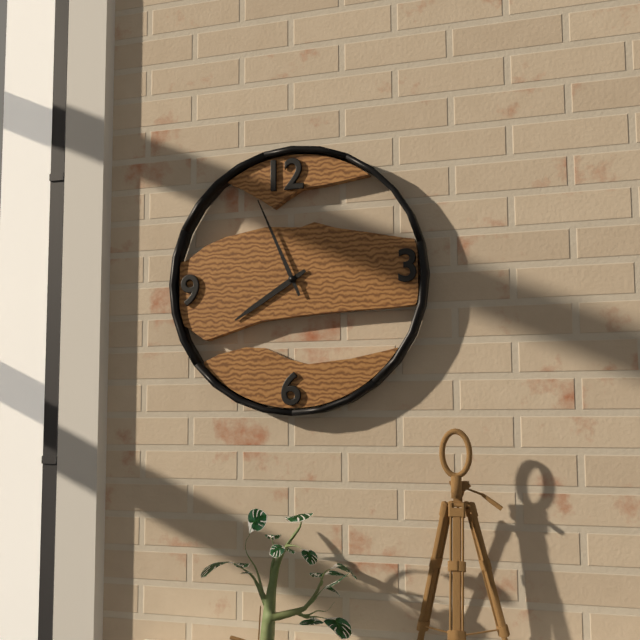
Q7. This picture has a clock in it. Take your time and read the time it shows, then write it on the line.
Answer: 7:56
